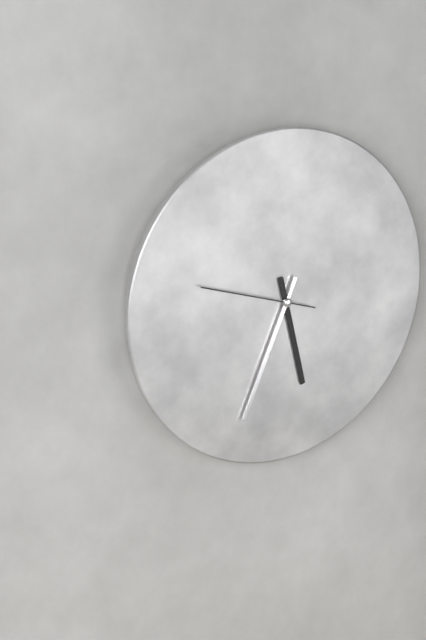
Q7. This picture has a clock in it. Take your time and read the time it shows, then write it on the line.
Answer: 5:34:48
